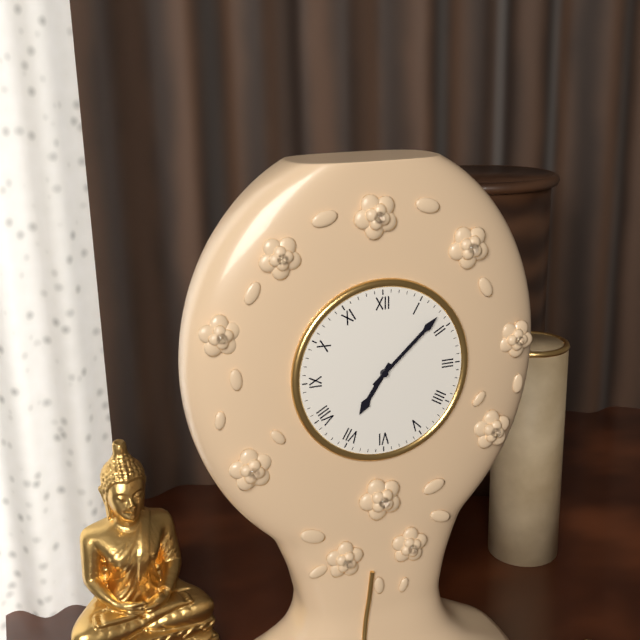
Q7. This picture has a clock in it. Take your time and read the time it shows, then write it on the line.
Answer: 7:08
